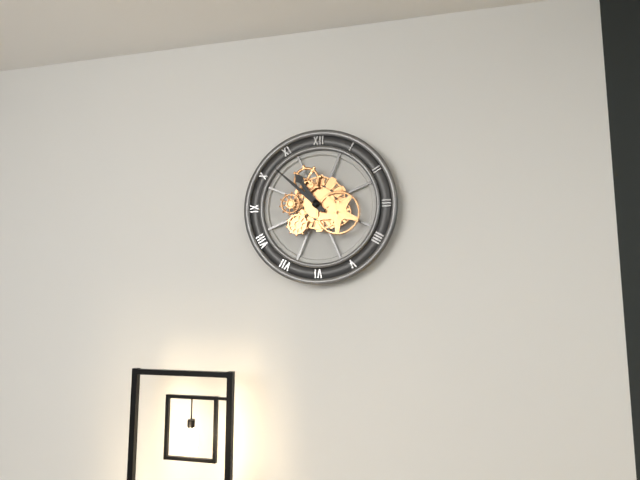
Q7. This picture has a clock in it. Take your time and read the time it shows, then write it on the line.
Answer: 10:52
